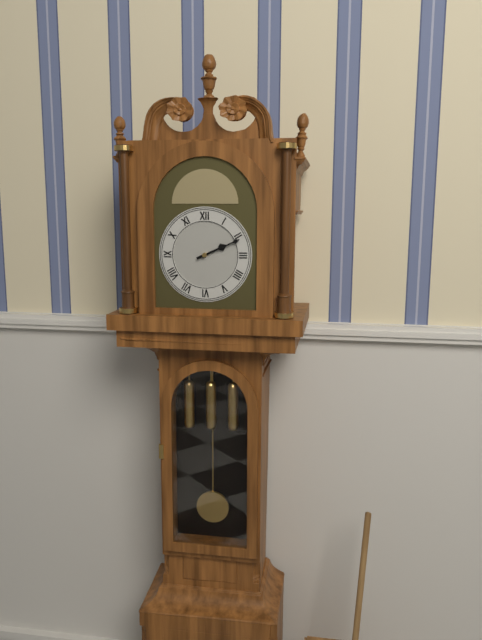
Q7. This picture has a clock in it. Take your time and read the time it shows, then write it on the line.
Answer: 2:11
